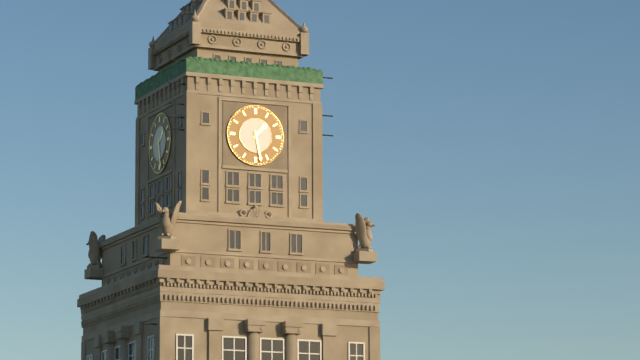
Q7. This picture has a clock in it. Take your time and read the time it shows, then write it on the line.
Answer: 1:28
